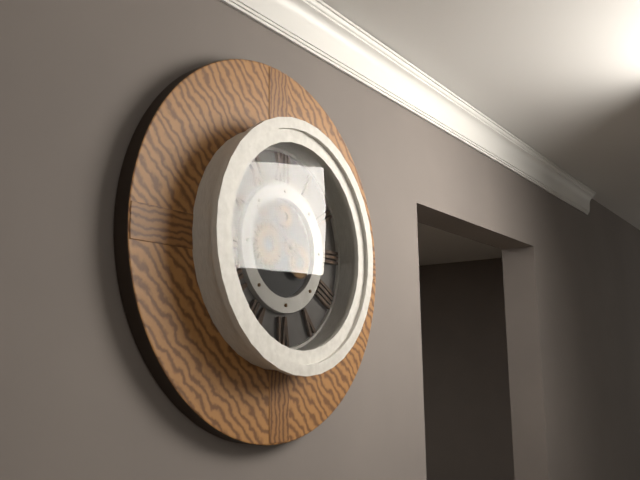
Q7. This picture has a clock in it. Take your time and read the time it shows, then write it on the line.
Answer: 10:50
